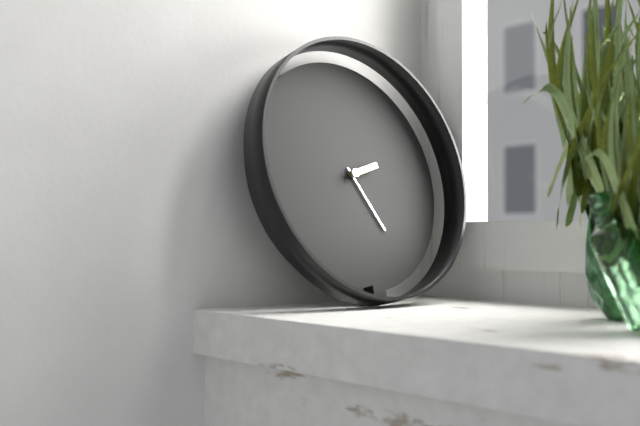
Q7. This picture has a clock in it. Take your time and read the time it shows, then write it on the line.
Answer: 2:25
